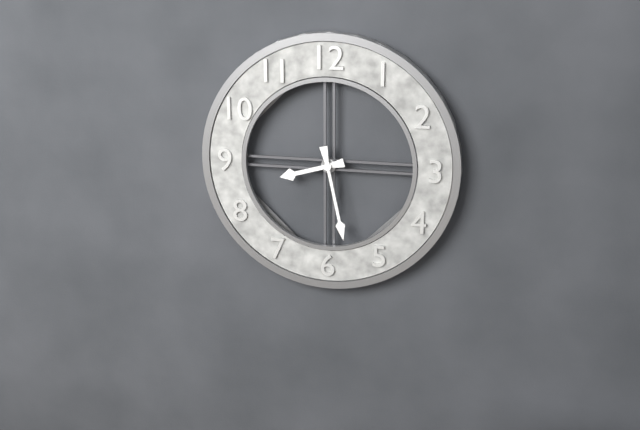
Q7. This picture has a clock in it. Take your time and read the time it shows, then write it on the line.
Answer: 8:28
